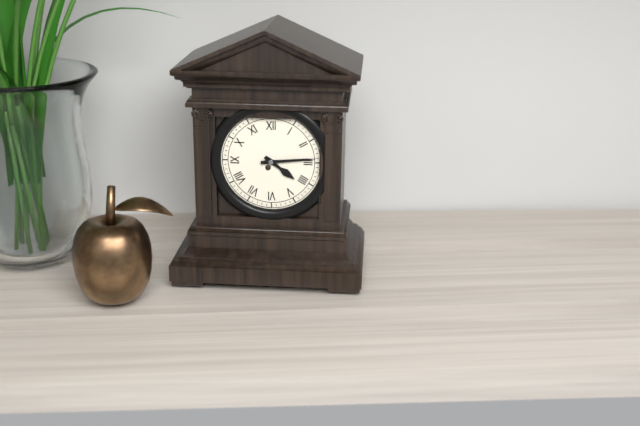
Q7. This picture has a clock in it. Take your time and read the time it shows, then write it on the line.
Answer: 4:14
